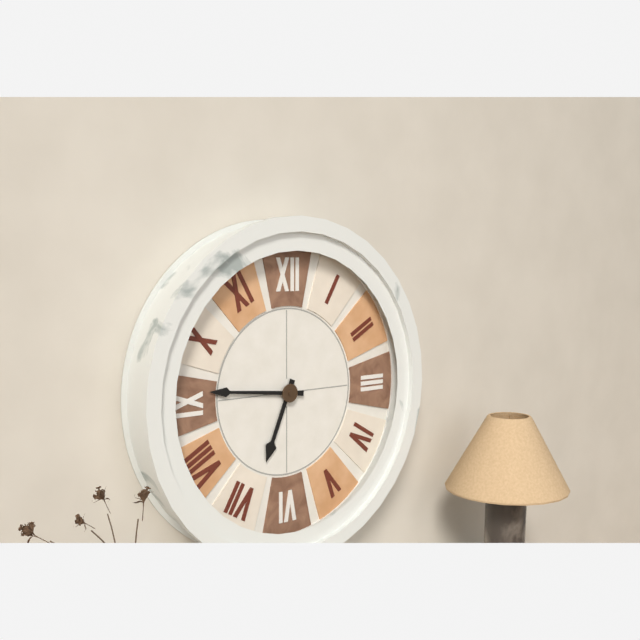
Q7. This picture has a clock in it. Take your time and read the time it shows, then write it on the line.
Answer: 6:46
